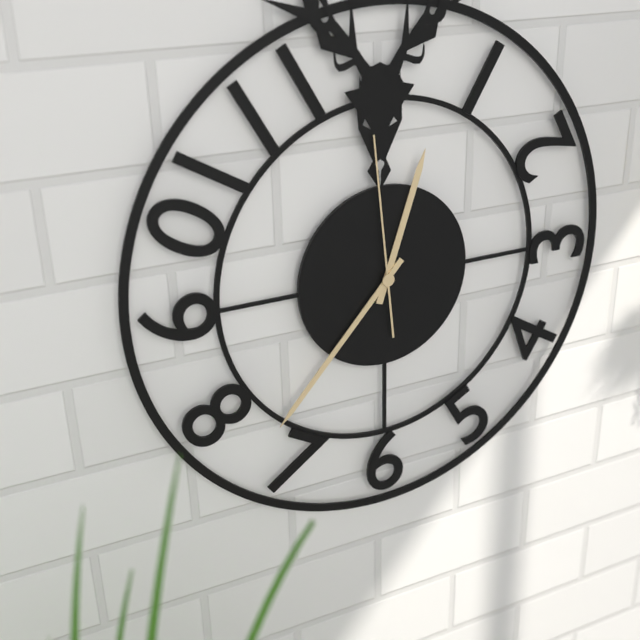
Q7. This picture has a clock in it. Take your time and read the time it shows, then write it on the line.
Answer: 12:37:59
